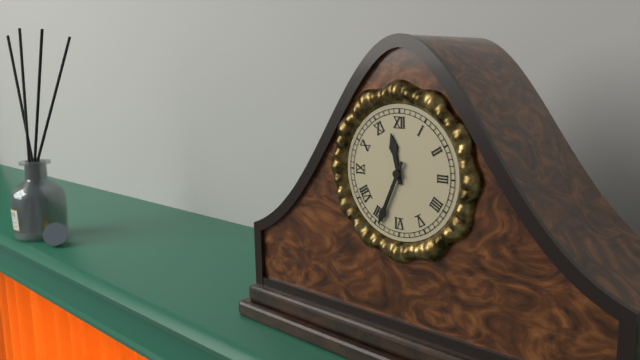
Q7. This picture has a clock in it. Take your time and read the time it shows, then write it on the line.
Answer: 11:34
